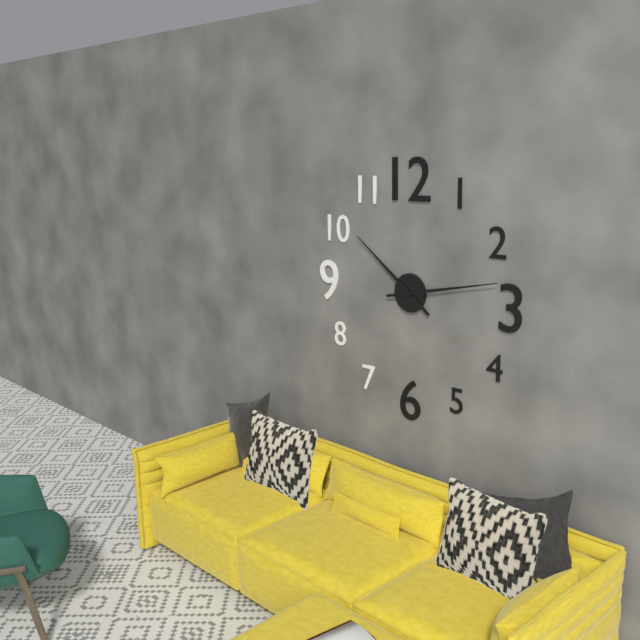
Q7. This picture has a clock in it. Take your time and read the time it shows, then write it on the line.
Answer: 10:13
